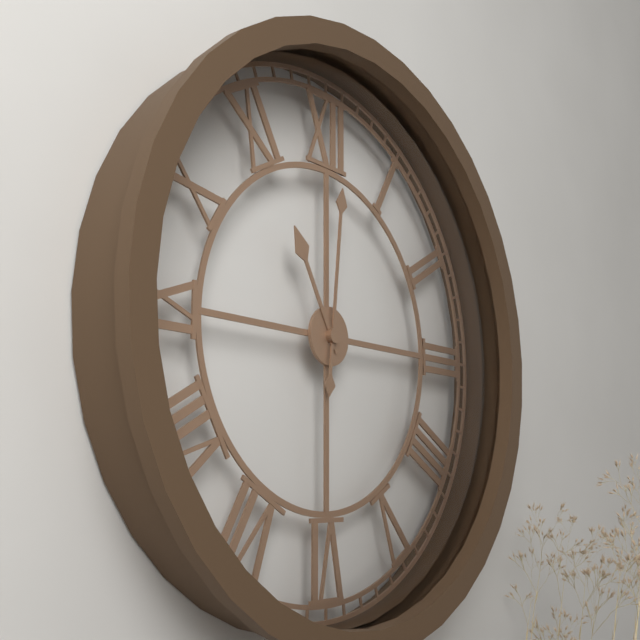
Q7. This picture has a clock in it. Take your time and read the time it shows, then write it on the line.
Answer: 11:01
